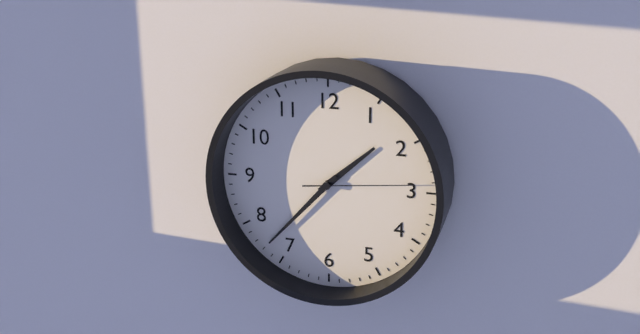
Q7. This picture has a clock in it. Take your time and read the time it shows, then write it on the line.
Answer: 1:37:14
